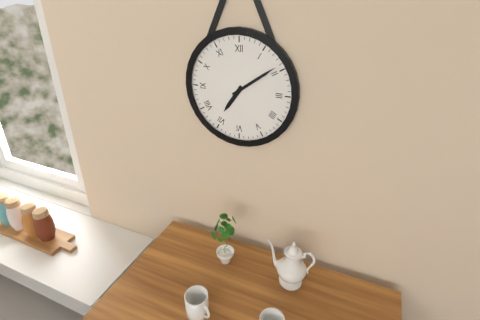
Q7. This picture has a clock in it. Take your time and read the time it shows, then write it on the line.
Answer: 7:09
